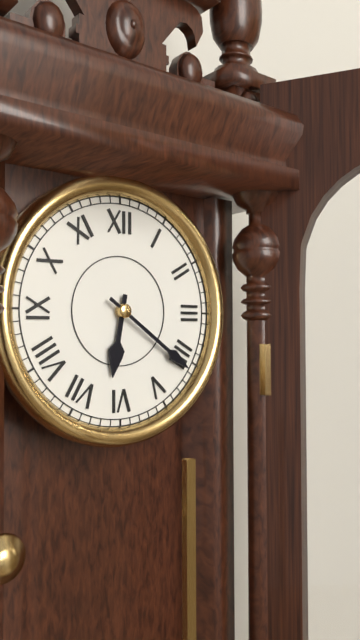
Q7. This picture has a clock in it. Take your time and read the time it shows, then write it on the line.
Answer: 6:21
